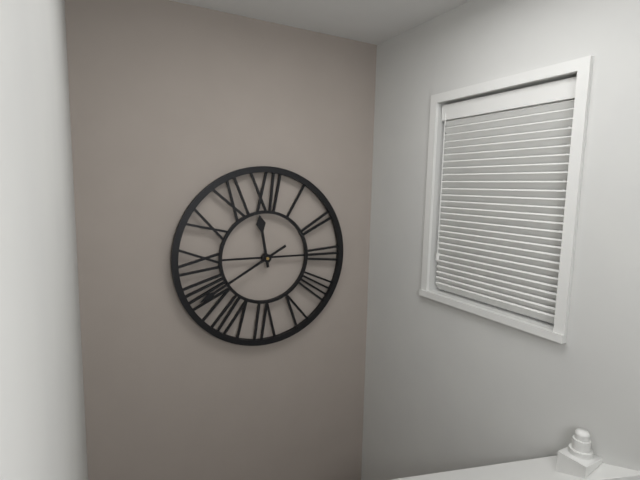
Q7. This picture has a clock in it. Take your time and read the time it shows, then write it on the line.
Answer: 11:40
